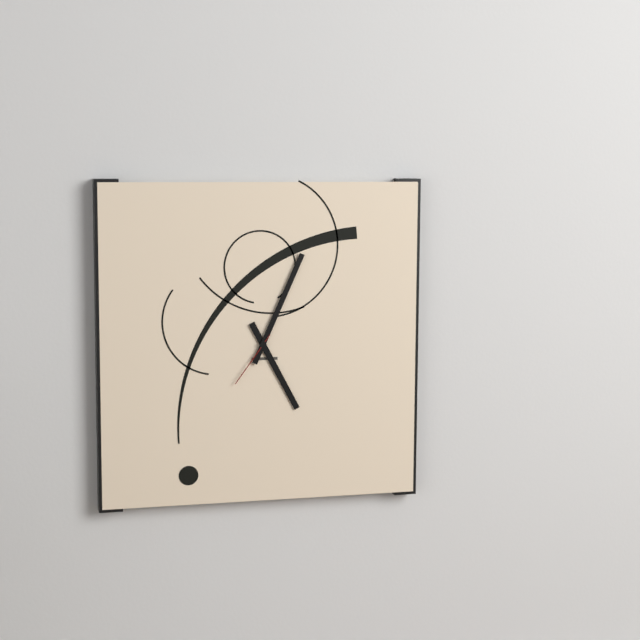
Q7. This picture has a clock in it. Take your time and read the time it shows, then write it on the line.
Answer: 5:04:36
